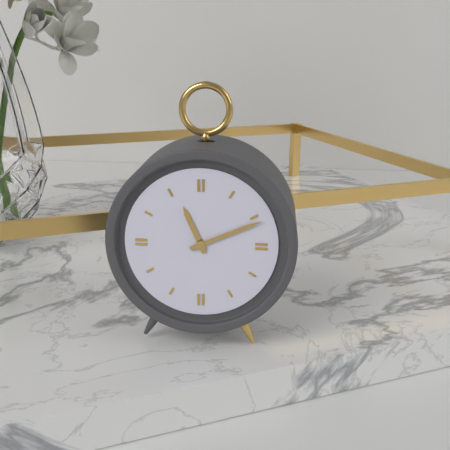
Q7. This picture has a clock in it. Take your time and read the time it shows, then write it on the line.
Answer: 11:11
